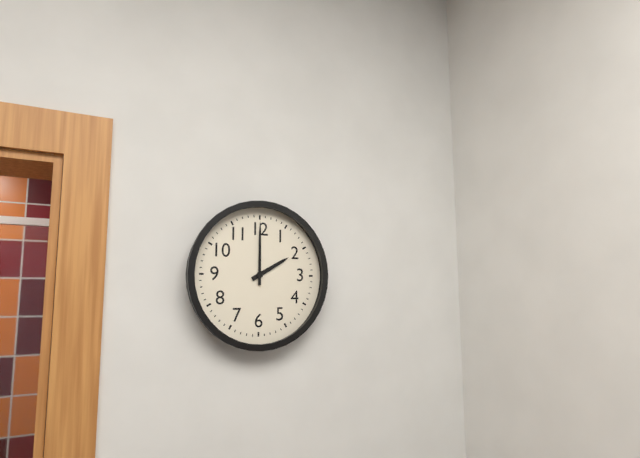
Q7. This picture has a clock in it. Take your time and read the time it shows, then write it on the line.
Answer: 2:00
